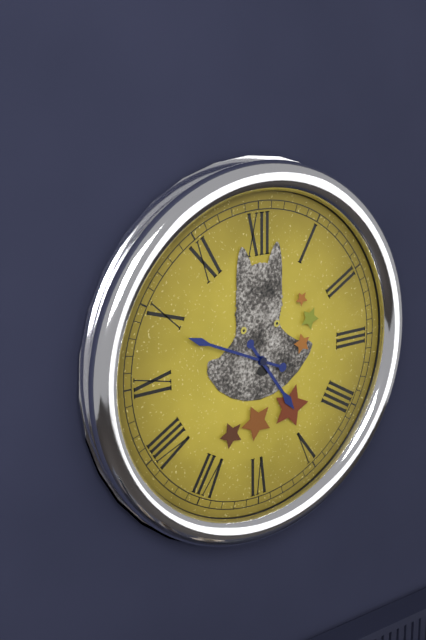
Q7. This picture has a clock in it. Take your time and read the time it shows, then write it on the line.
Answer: 4:49
